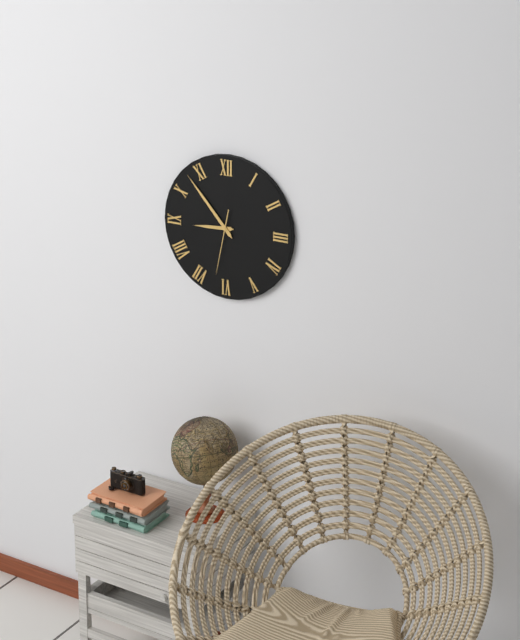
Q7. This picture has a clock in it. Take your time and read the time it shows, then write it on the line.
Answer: 8:53:32
